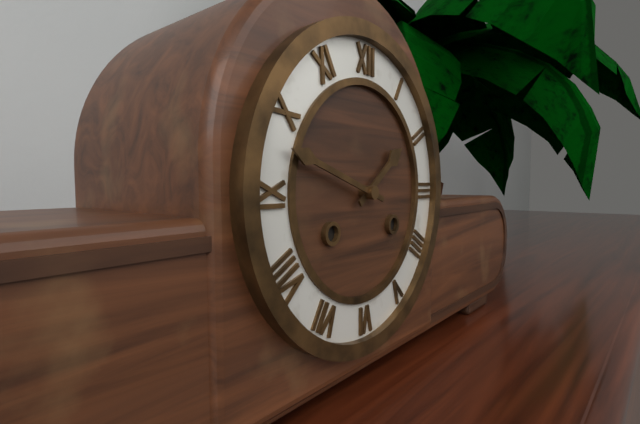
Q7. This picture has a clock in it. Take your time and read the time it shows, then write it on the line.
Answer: 1:48
